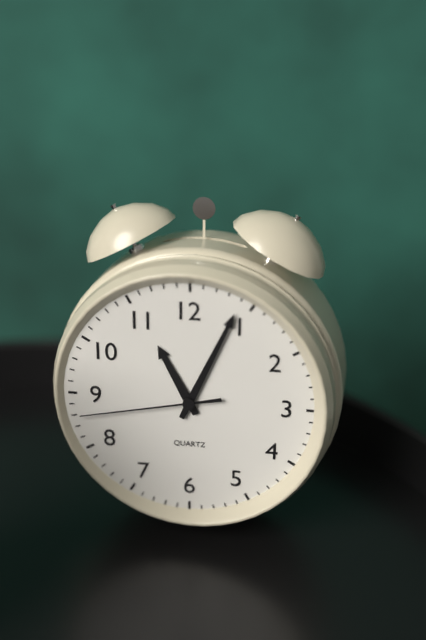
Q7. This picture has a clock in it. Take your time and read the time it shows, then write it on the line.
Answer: 11:04:43
